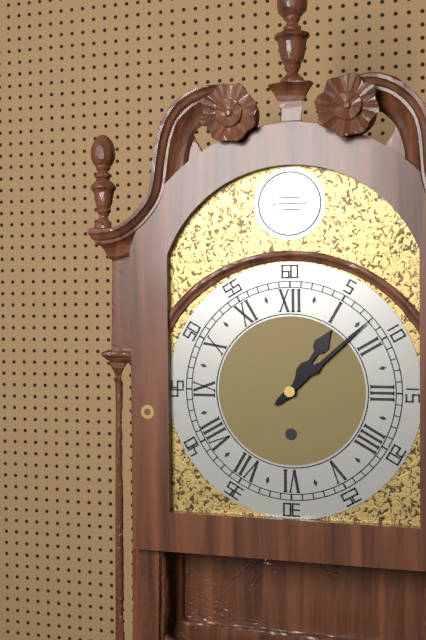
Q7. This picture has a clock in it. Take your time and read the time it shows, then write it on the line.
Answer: 1:08
